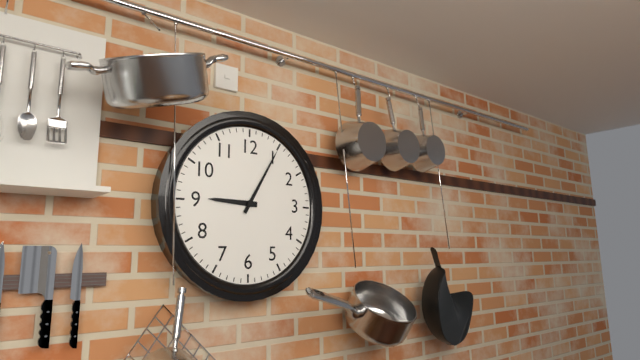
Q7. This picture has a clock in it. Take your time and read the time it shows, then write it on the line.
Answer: 9:05
